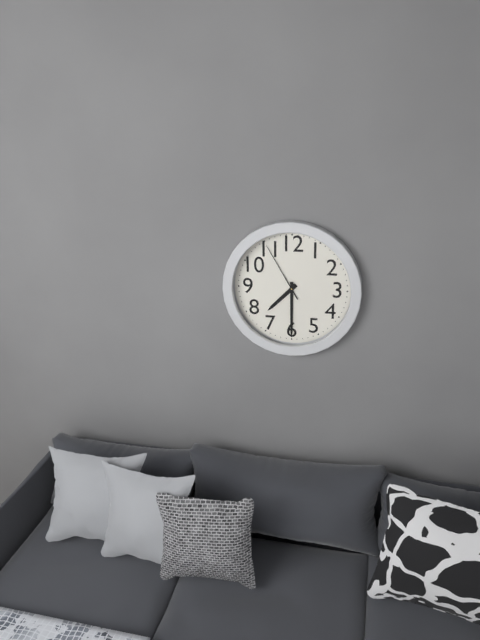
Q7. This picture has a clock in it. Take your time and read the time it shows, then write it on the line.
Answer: 7:30:55
